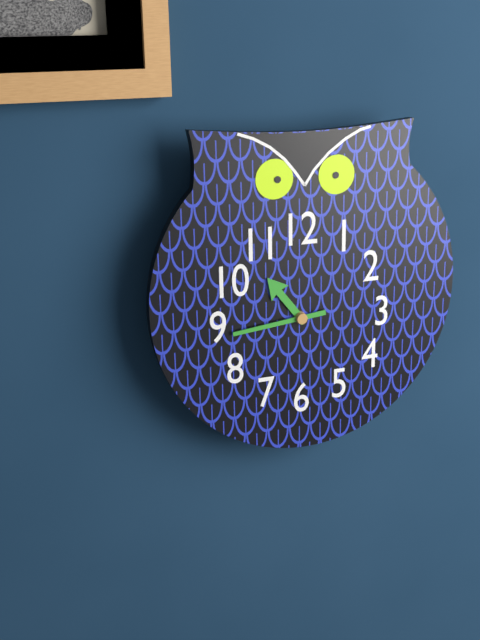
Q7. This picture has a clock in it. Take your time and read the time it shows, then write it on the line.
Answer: 10:44
